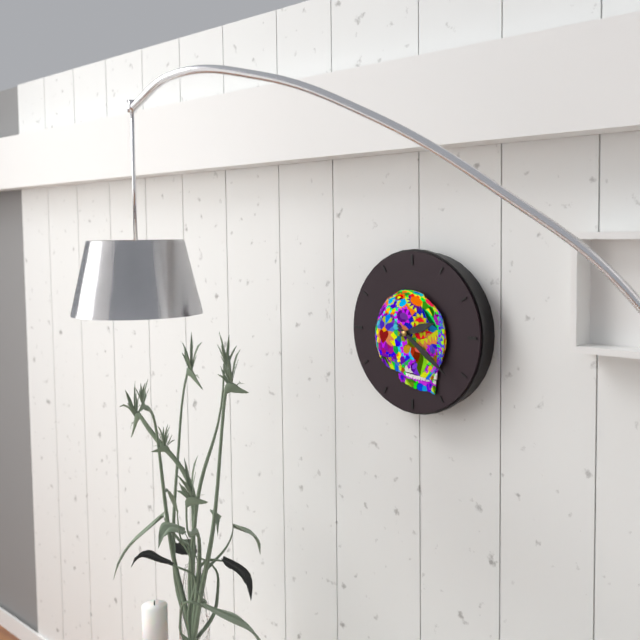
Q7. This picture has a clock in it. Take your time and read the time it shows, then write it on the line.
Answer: 2:21
